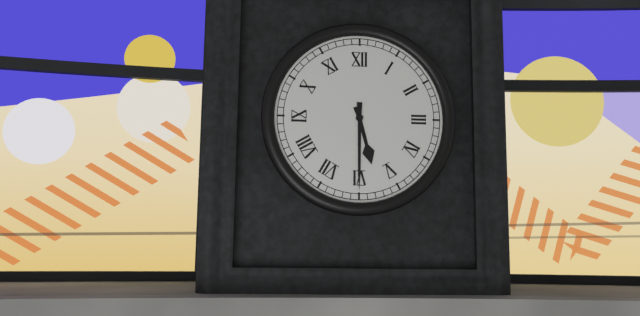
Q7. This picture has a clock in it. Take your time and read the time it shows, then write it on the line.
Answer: 5:30
